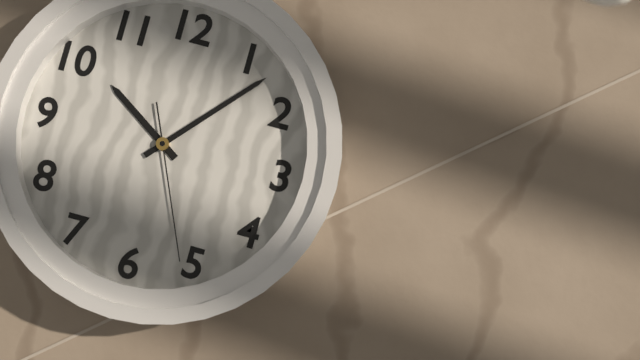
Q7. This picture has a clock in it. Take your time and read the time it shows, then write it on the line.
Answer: 10:07:26
